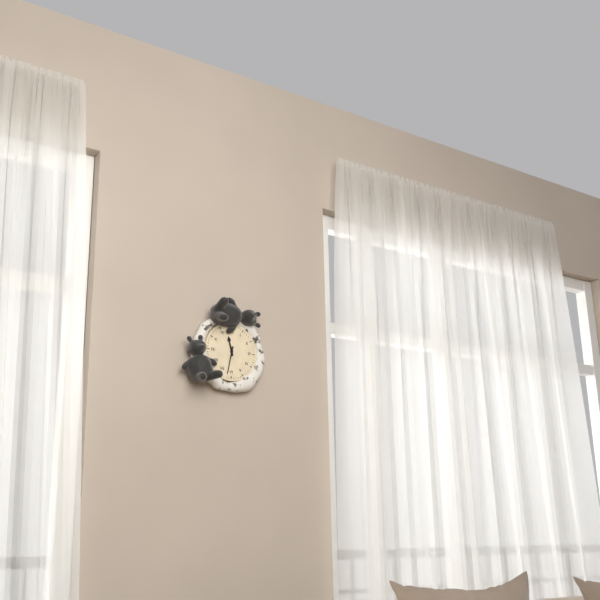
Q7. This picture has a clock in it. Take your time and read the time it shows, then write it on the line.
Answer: 11:32
